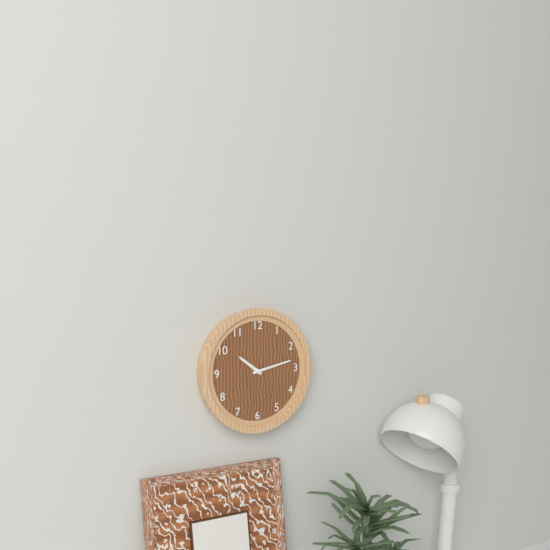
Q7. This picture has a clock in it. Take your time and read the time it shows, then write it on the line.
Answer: 10:13
